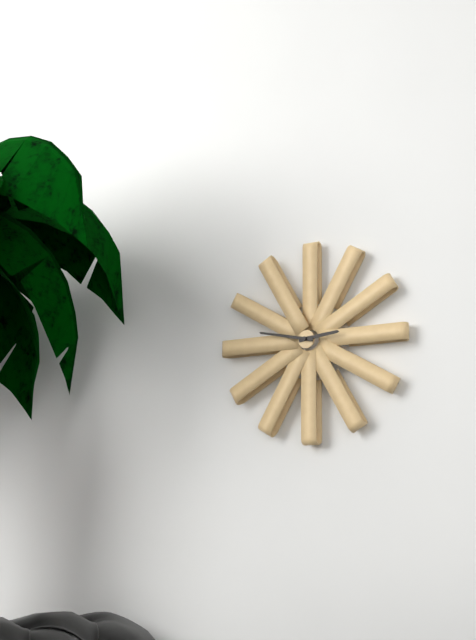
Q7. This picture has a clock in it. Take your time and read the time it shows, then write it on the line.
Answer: 2:47
